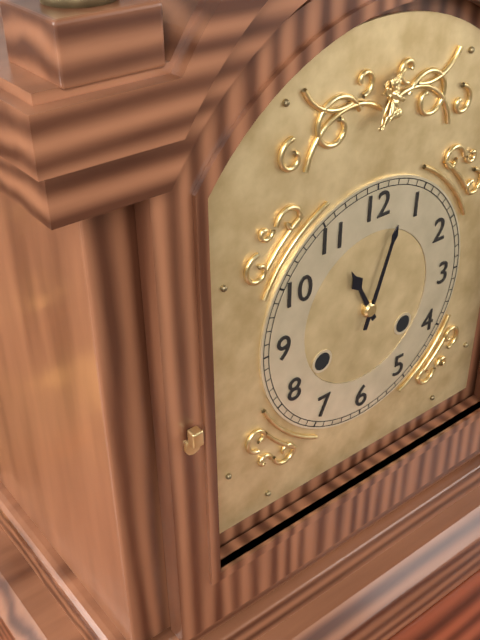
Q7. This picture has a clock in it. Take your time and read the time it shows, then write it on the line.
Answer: 11:03
